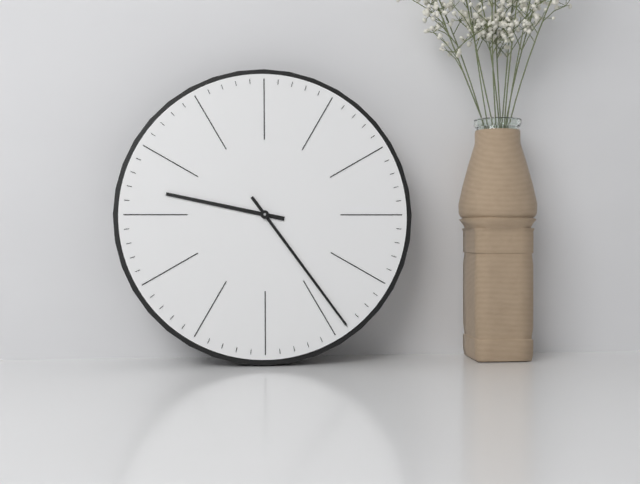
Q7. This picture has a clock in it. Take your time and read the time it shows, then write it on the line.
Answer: 9:24
